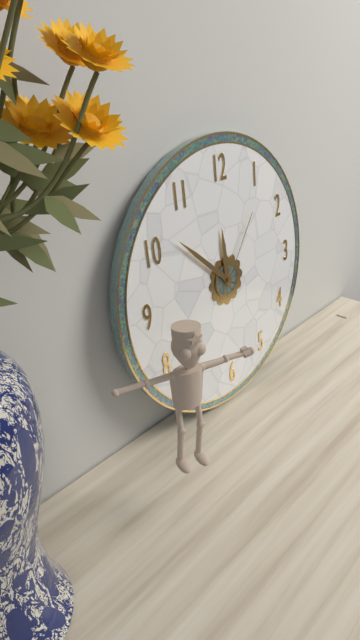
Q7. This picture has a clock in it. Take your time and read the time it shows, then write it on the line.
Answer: 11:52:06
